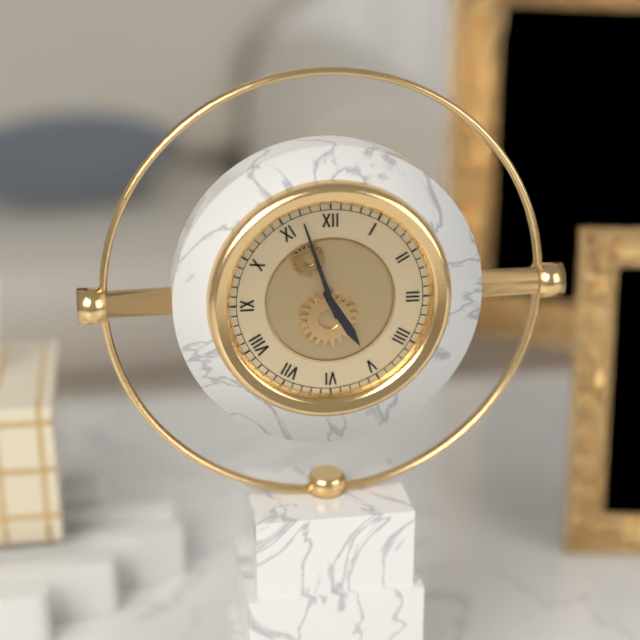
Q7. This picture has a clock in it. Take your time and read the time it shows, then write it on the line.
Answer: 4:57
